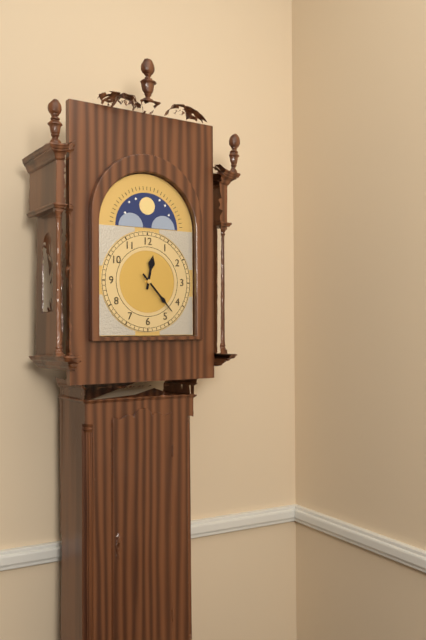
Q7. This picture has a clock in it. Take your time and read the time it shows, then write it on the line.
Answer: 12:23
